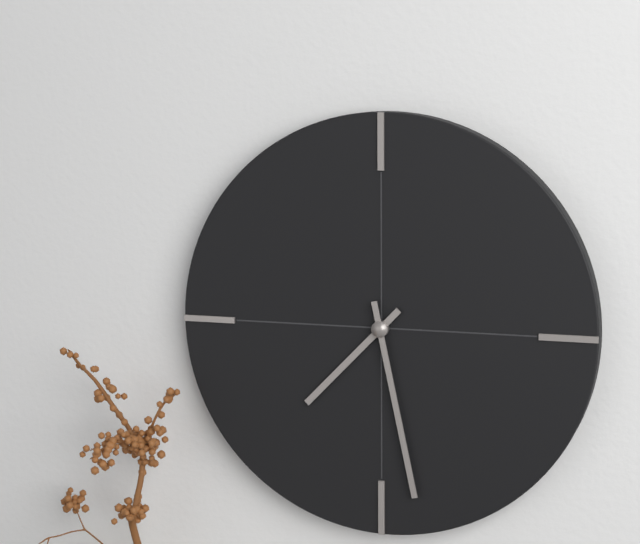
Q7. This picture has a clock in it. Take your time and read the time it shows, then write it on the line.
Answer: 7:28
